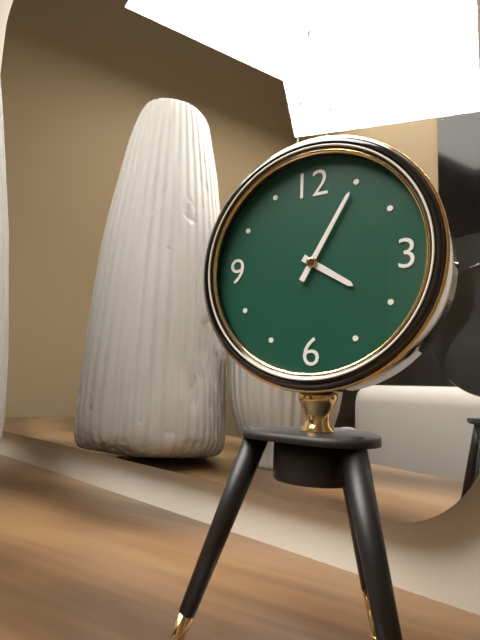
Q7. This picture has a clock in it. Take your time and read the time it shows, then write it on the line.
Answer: 4:05
